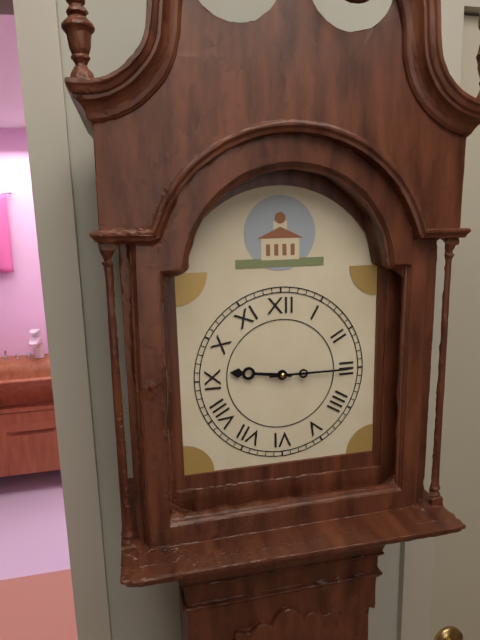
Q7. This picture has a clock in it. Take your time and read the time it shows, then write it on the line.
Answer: 9:15
